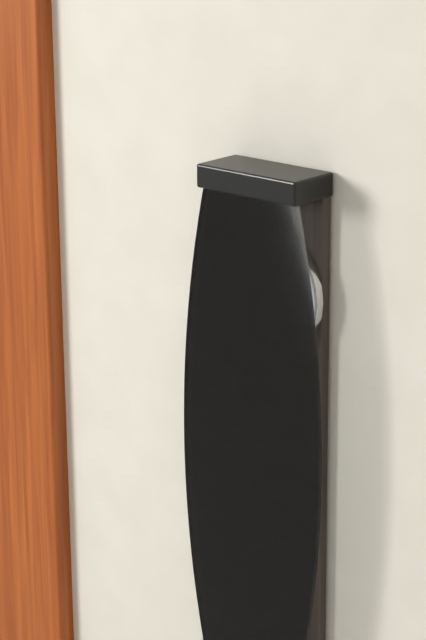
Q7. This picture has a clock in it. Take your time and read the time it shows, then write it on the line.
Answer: 7:26
